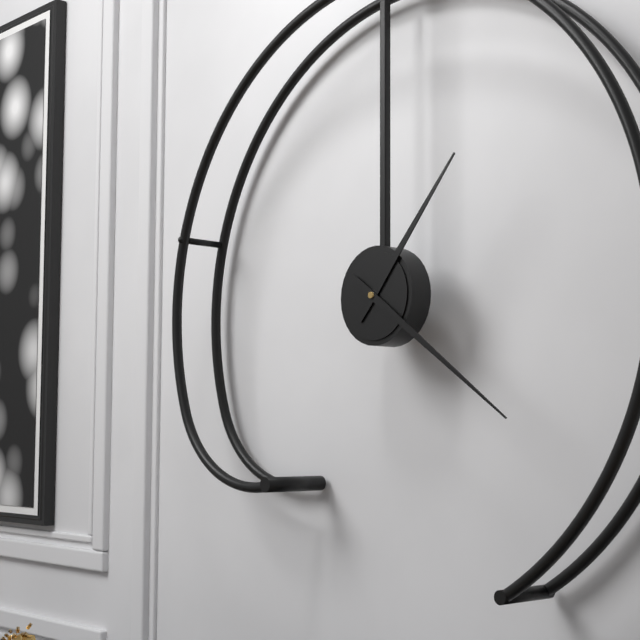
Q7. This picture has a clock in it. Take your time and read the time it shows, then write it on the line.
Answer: 1:21
